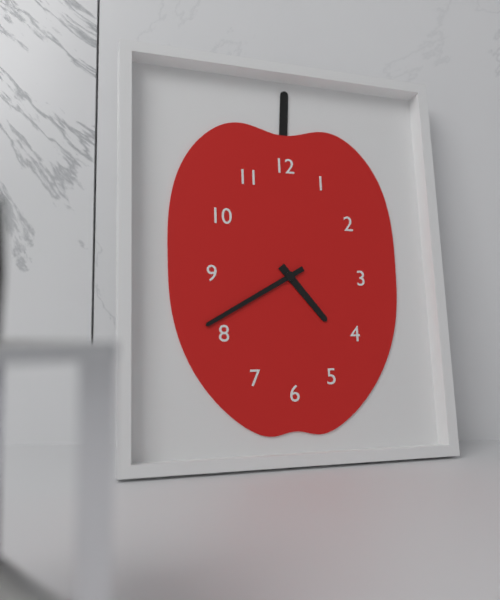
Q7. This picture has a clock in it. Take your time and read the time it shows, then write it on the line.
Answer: 4:40
